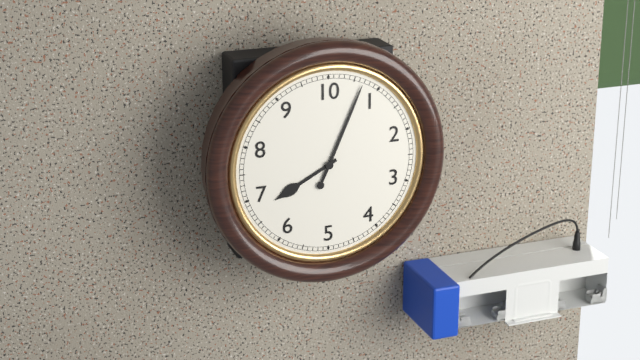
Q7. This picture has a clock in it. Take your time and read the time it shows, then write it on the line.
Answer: 8:04
